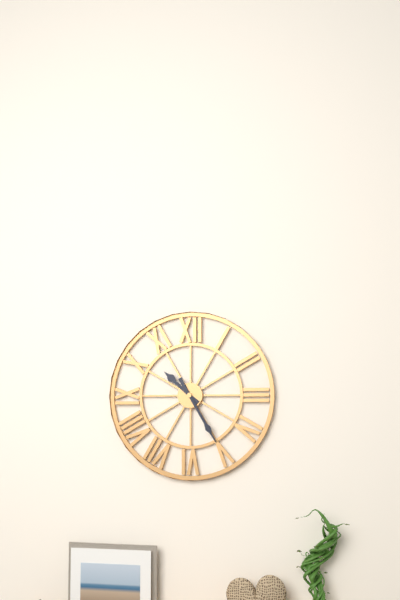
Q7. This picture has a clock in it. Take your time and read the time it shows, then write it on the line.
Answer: 10:25
